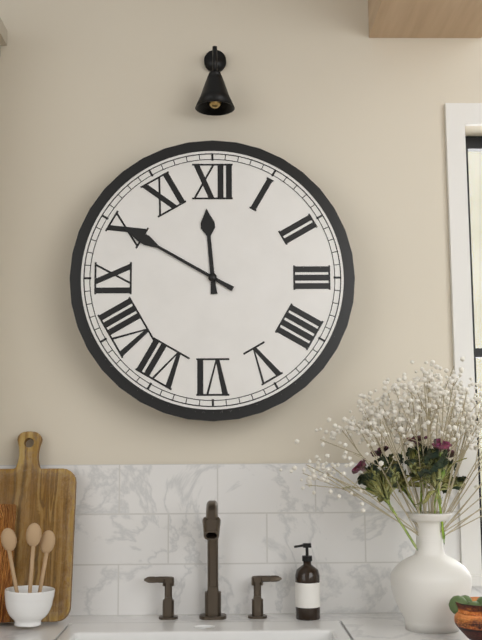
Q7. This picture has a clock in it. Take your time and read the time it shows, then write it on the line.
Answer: 11:50
